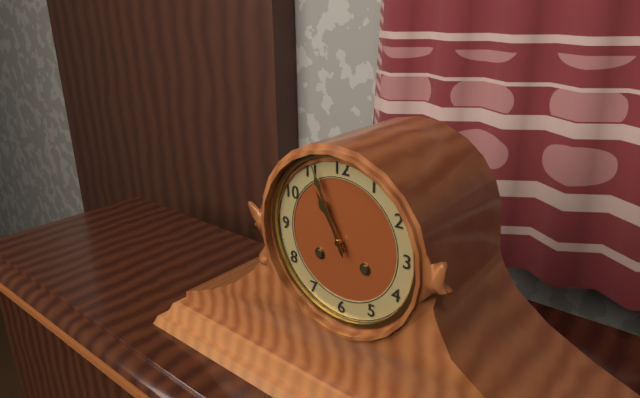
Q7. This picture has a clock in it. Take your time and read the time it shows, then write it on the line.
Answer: 10:56
